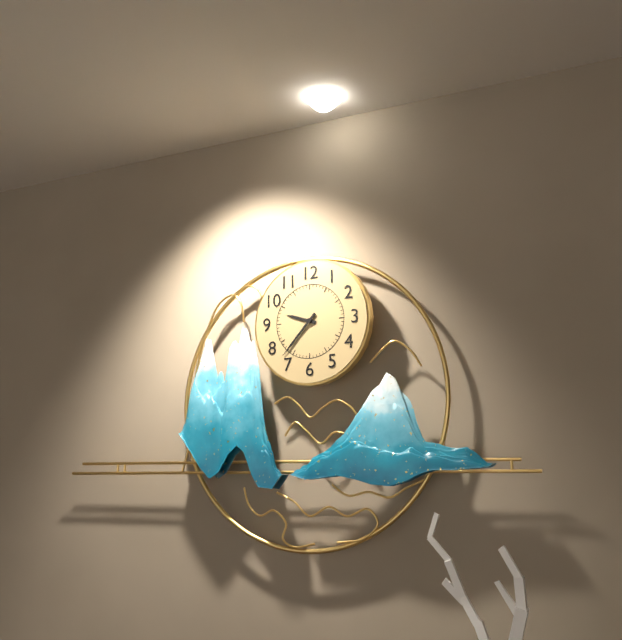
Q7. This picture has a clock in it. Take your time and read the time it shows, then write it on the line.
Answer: 9:37
